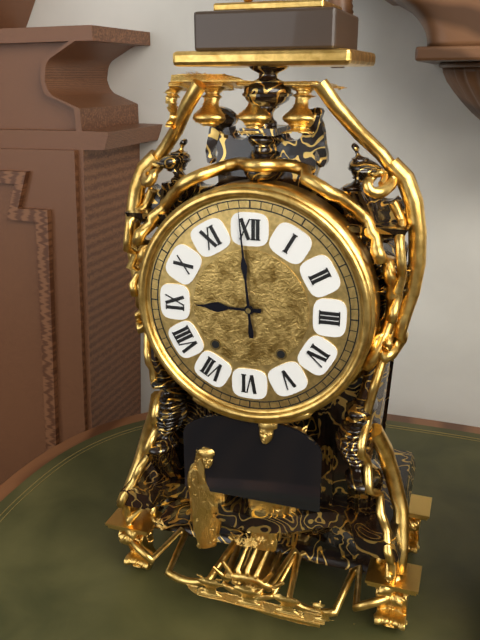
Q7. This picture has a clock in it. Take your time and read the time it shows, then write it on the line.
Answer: 8:59
